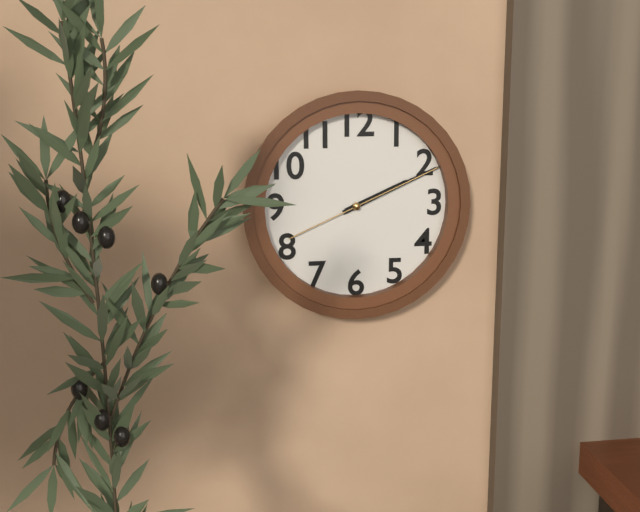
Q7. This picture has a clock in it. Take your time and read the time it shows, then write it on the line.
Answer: 2:11:11
